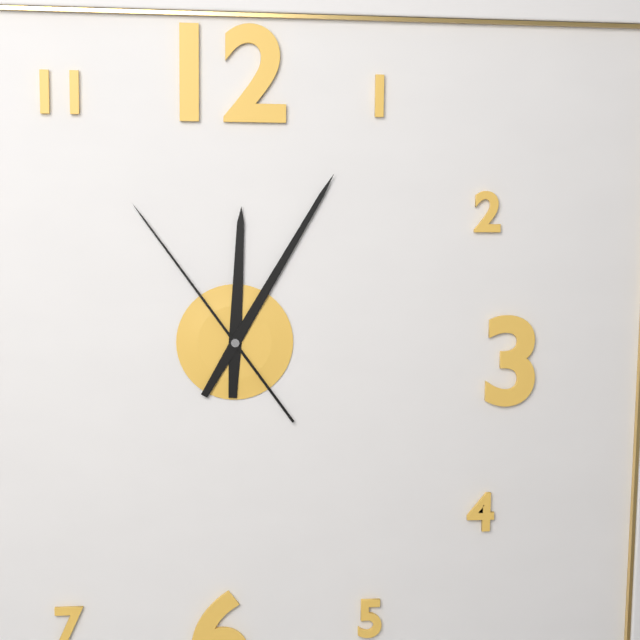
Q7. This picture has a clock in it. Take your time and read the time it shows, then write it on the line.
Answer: 12:05:54
